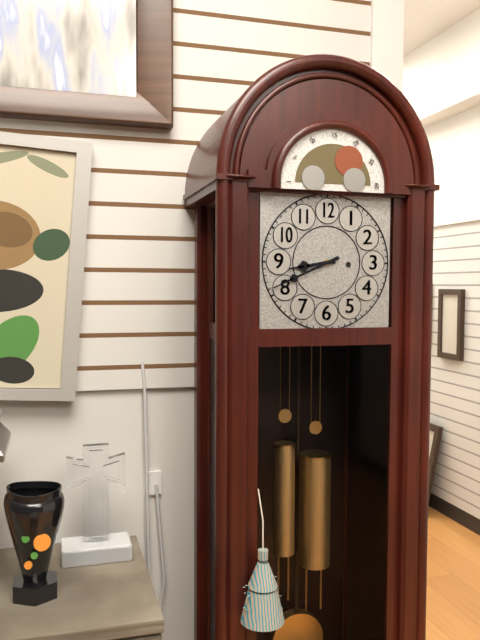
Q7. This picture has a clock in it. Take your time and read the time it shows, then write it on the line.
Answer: 8:41
